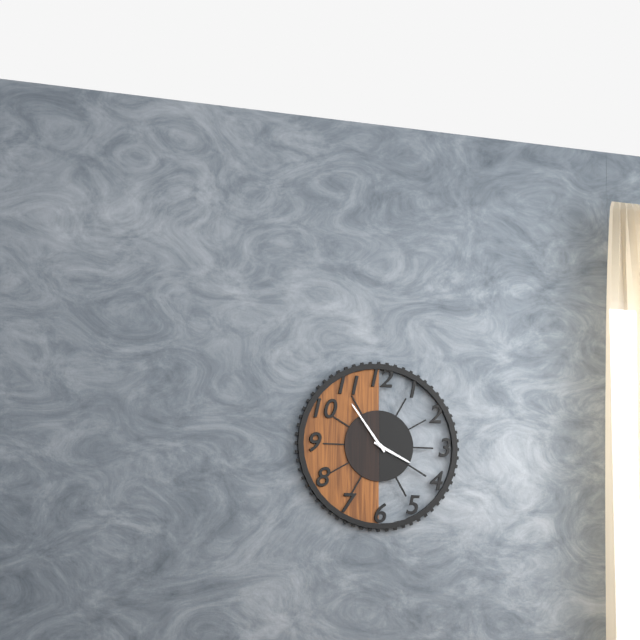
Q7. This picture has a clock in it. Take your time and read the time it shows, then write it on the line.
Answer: 3:54
